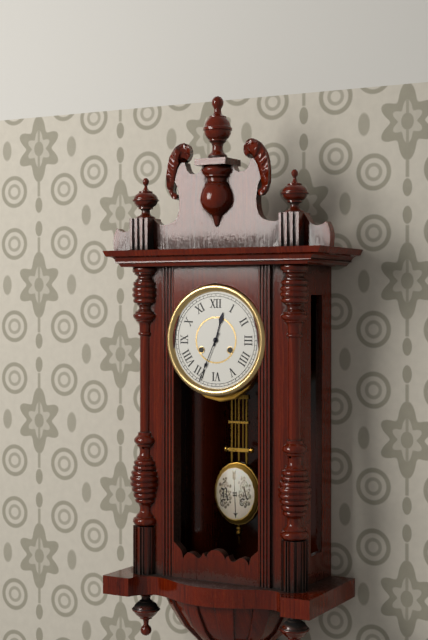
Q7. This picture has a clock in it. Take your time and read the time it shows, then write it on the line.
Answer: 12:34
